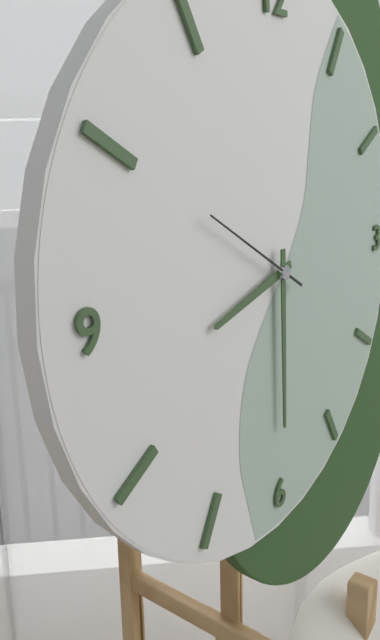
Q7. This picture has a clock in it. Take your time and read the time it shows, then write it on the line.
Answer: 8:30:50
